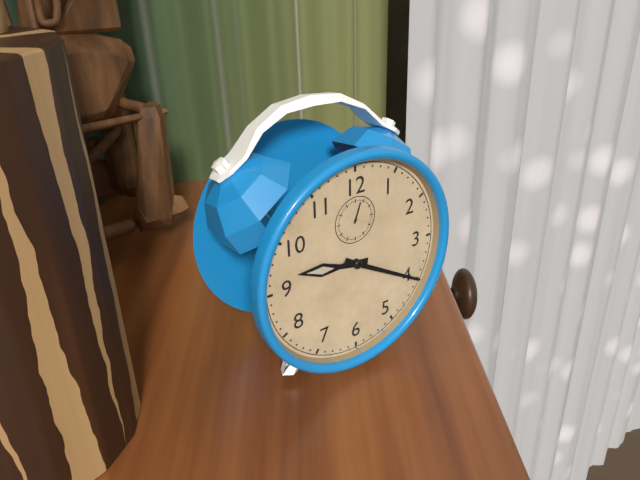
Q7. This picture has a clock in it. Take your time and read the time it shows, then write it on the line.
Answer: 9:20
